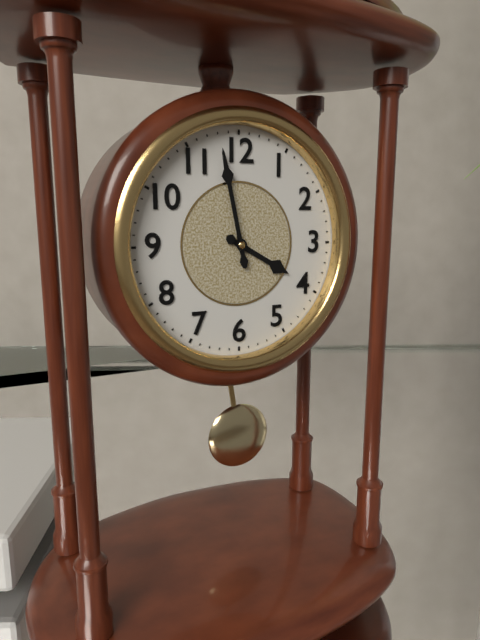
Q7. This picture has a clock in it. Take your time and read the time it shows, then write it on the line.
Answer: 3:58
